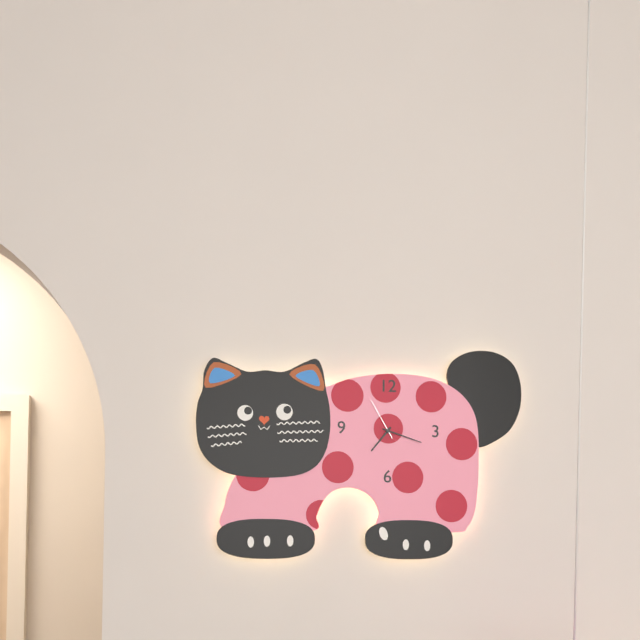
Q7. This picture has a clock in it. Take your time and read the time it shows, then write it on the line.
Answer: 7:18
